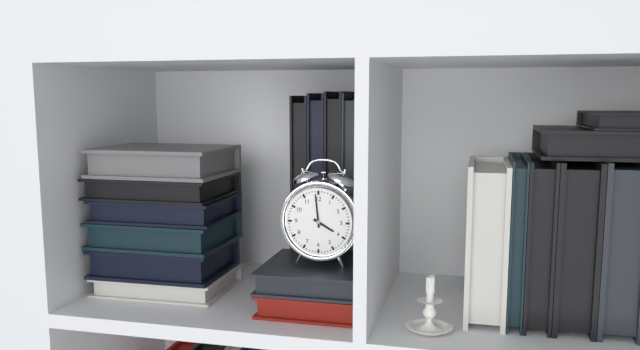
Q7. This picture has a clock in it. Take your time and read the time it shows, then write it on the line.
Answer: 3:59
